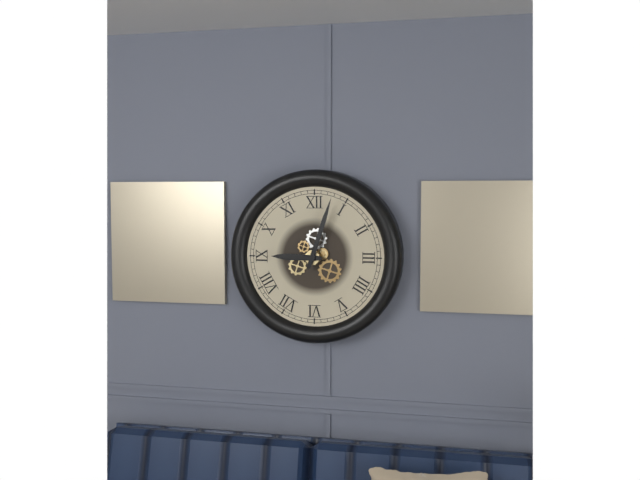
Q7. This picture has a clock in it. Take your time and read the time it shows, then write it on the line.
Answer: 9:03
